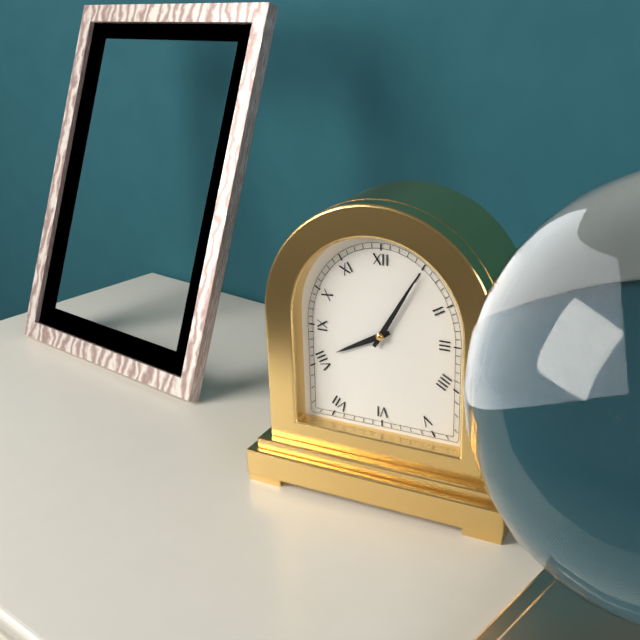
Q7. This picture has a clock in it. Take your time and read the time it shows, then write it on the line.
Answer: 8:05
